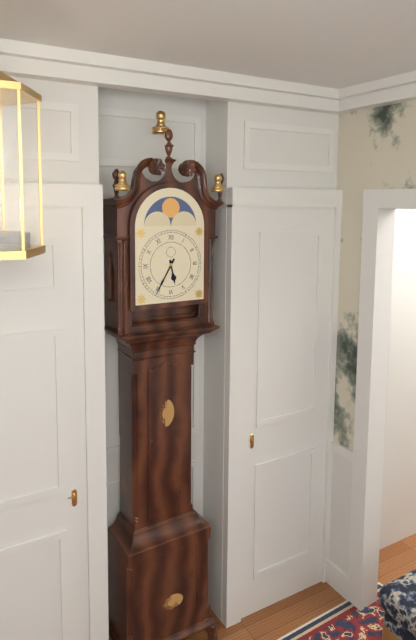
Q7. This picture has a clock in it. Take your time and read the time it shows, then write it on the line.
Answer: 5:35
